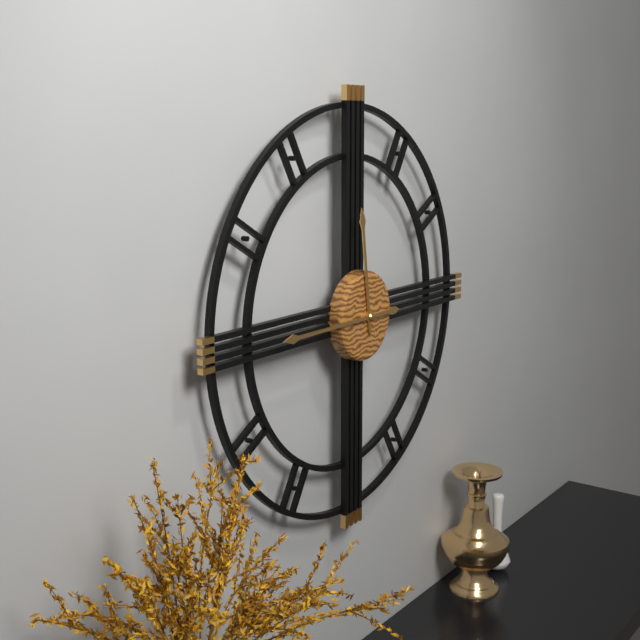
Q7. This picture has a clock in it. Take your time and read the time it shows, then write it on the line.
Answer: 11:45
